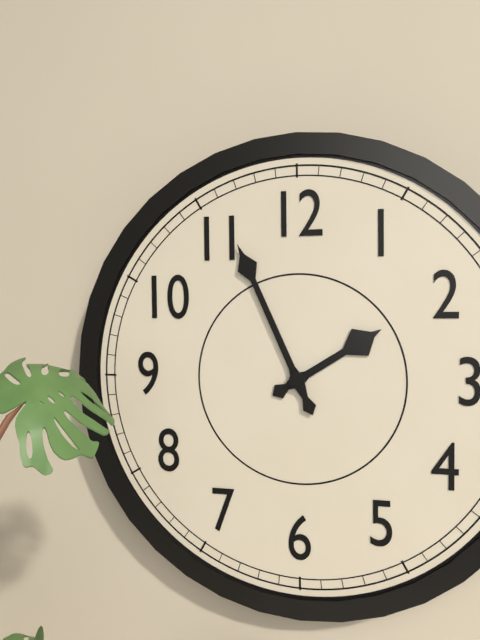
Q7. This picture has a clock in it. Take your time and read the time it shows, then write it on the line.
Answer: 1:56
